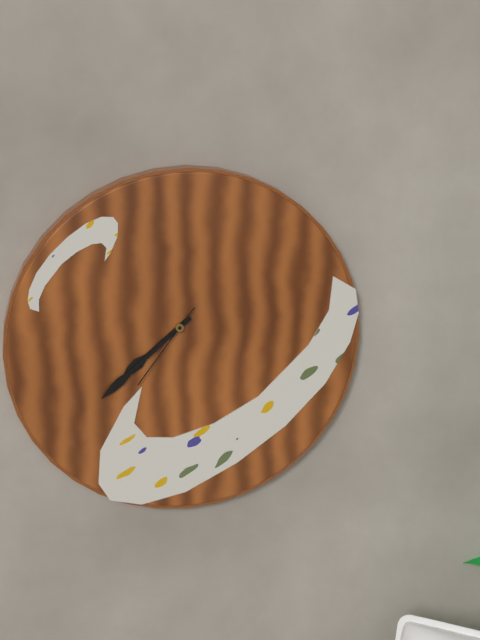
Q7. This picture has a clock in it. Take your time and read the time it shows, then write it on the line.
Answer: 7:38:36
